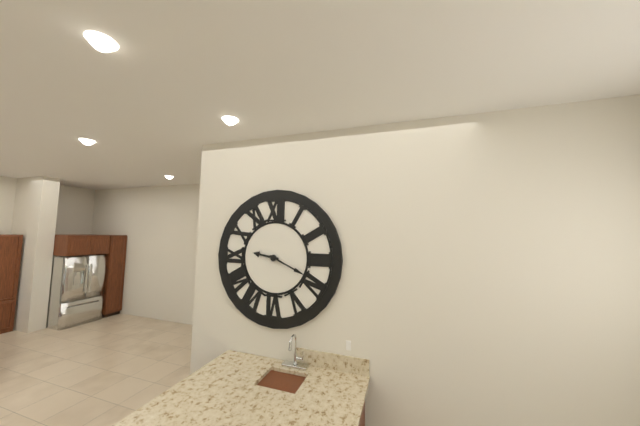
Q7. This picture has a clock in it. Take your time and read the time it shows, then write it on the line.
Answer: 9:19
